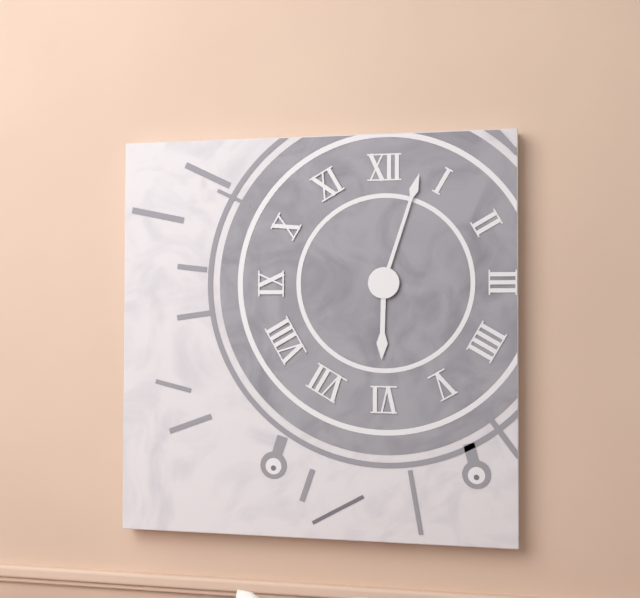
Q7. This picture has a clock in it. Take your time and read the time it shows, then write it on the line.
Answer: 6:03
